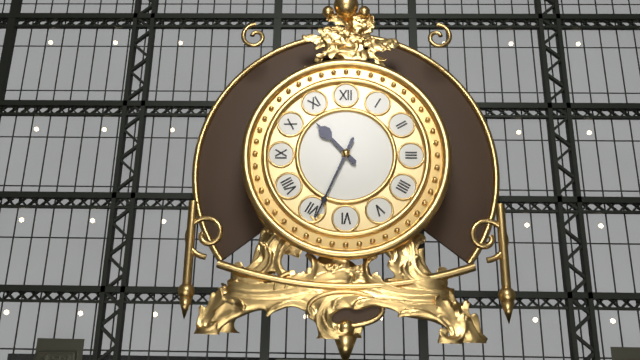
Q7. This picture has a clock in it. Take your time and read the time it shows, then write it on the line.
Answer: 10:34
